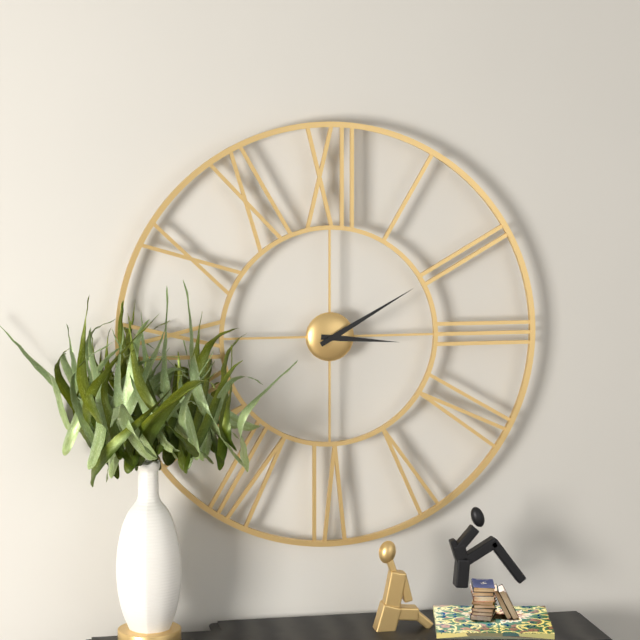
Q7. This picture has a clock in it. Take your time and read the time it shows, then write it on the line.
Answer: 3:10
